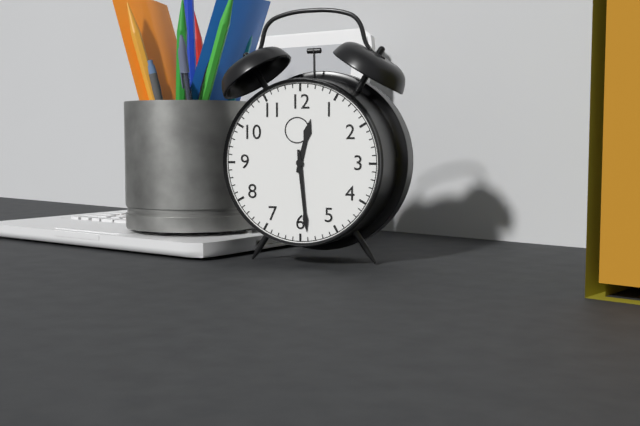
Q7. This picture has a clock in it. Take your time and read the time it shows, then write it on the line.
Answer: 12:29
